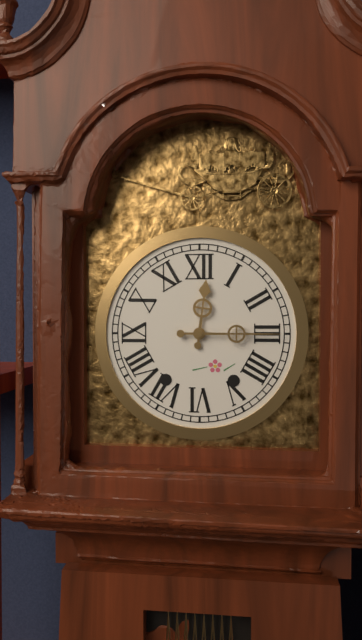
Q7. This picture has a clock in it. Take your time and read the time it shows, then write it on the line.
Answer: 12:15
